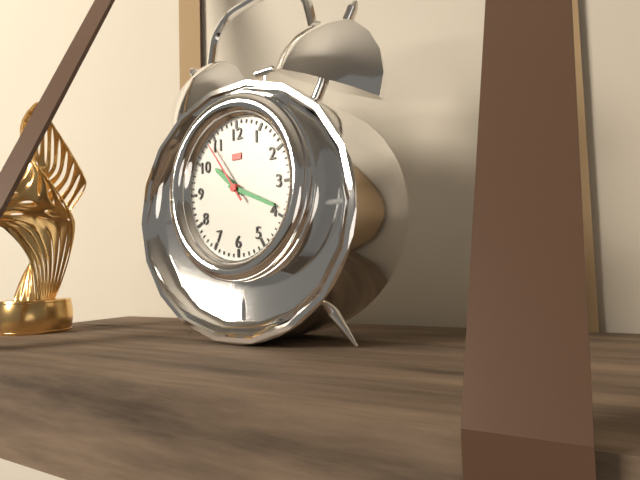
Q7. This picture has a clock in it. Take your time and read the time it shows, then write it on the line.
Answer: 10:19:54
